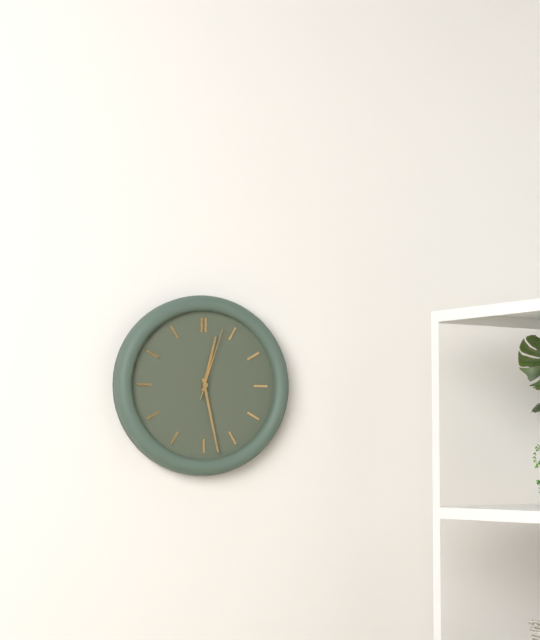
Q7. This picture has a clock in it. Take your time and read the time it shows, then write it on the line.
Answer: 12:28:03
